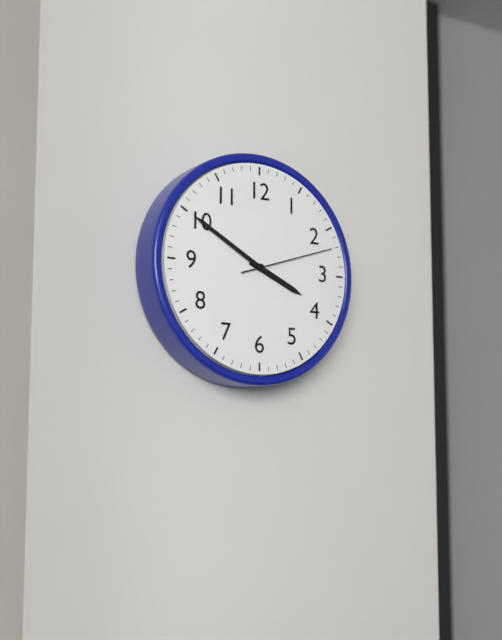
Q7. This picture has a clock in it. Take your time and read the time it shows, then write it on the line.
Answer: 3:50:12
